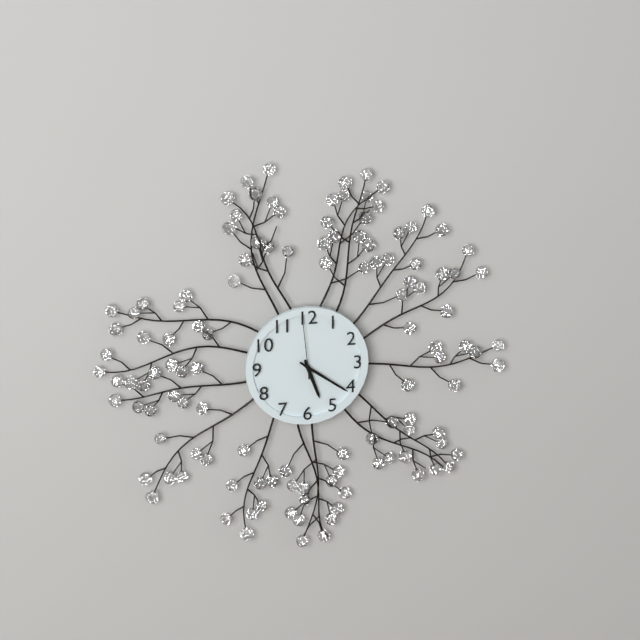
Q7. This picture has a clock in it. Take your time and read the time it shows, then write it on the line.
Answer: 5:21:59
